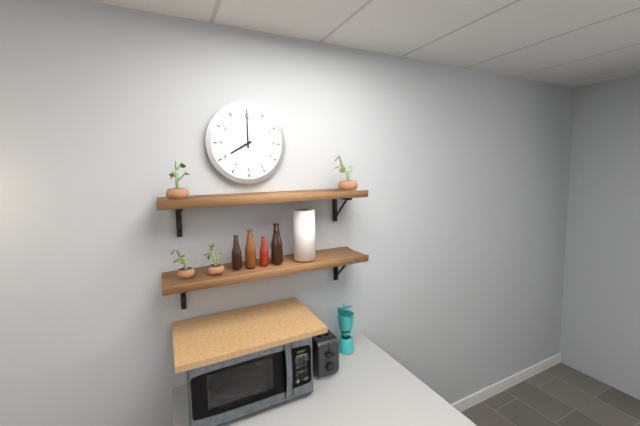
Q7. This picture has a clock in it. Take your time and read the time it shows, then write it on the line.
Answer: 8:00
